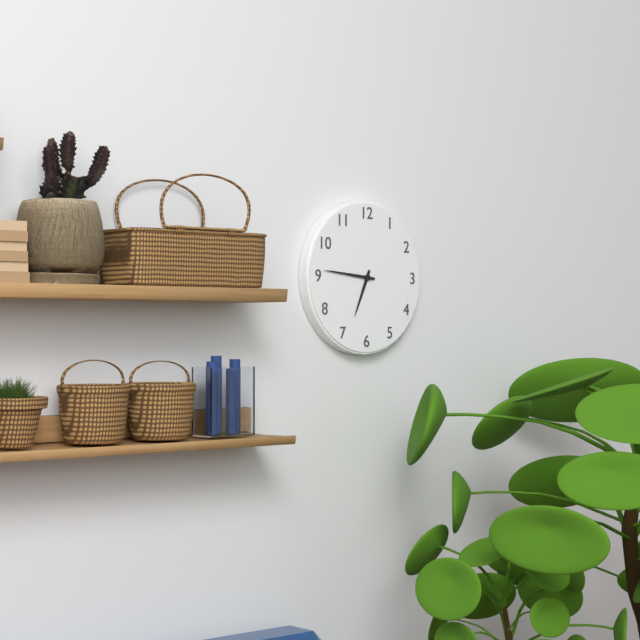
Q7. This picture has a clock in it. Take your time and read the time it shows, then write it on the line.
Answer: 6:46
